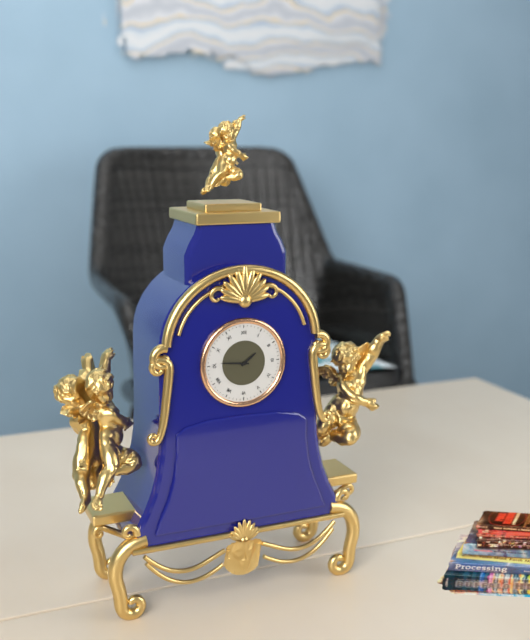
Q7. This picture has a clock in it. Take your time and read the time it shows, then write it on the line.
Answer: 1:46
